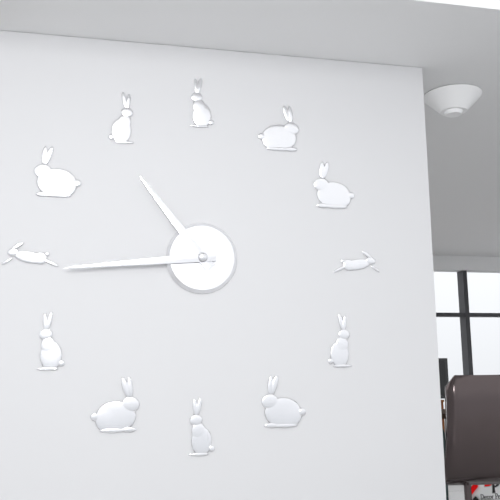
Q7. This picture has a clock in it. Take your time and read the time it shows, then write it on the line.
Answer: 10:44
